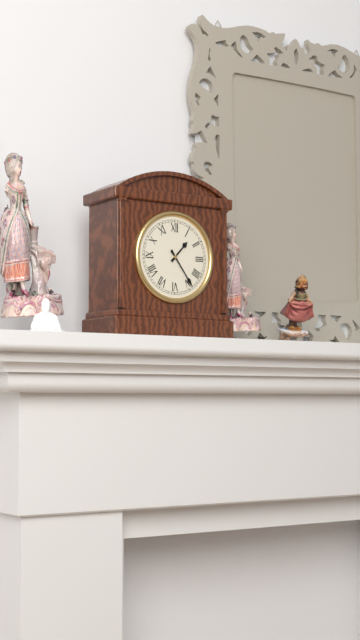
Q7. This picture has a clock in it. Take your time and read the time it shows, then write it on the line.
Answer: 1:24
